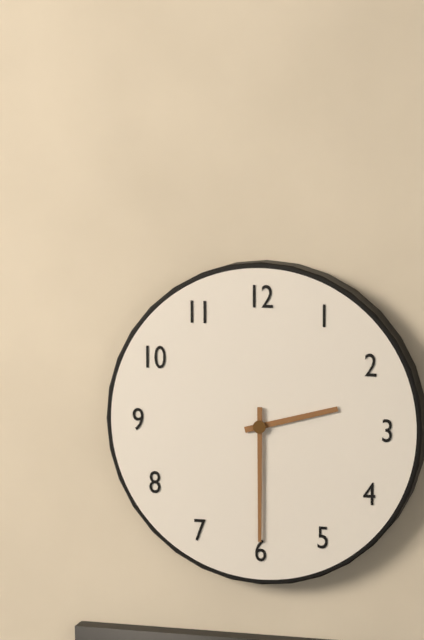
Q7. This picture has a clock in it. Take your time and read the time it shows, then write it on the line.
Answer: 2:30
